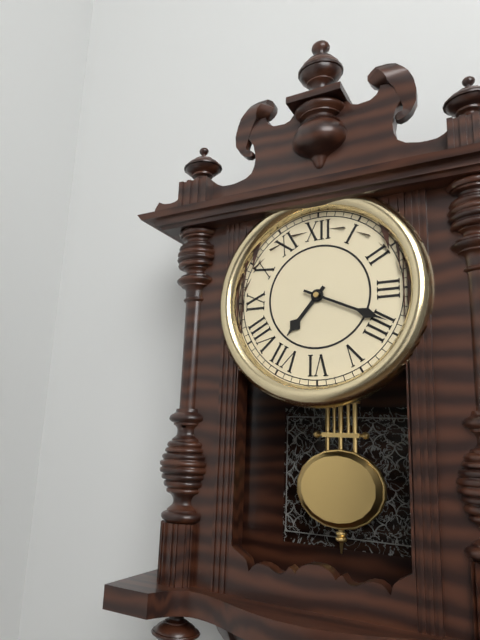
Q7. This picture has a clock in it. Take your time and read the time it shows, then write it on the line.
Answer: 7:19
